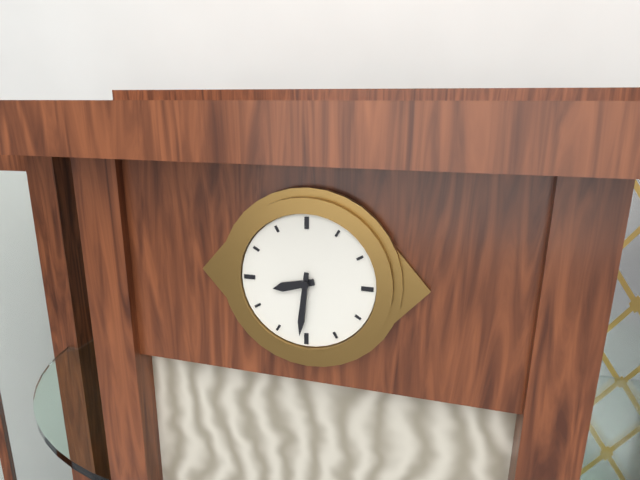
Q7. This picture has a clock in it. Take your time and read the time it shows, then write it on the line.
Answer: 8:31
